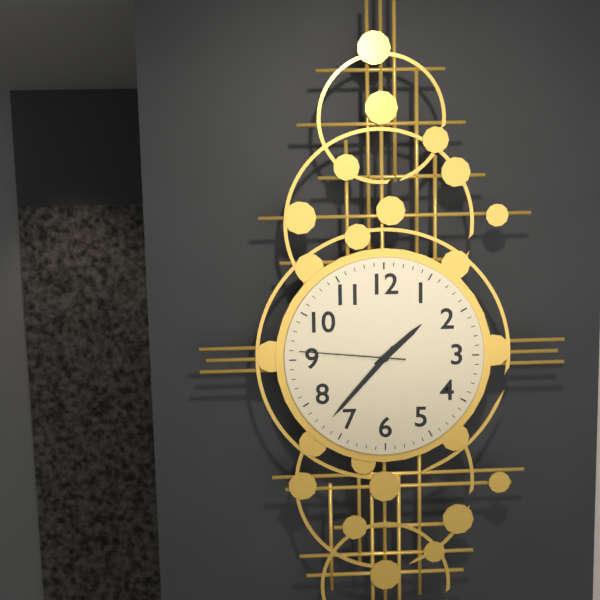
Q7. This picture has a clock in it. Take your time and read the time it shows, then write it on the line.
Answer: 1:37:46
